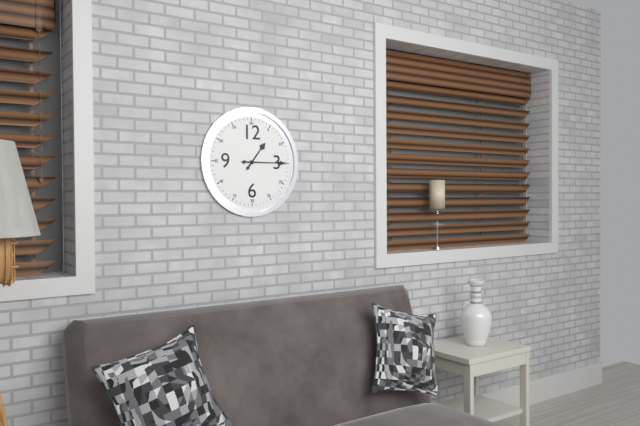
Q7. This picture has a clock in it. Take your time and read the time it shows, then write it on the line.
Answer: 1:15
